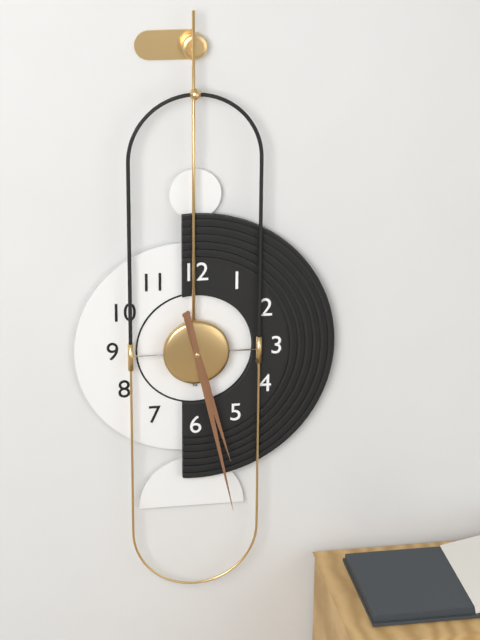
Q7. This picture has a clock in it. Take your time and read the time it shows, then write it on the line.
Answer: 5:28
